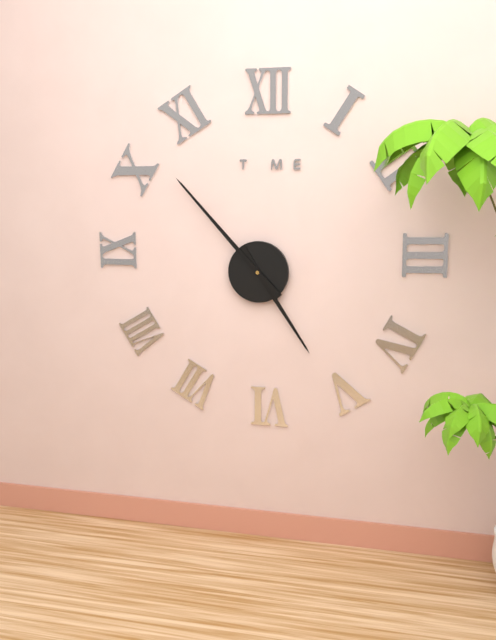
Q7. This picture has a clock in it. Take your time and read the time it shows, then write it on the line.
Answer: 4:53
